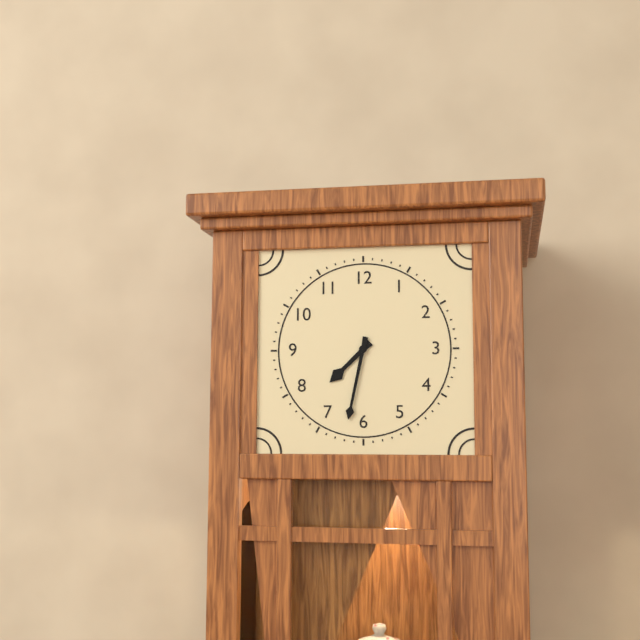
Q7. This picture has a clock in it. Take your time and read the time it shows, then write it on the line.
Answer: 7:32
